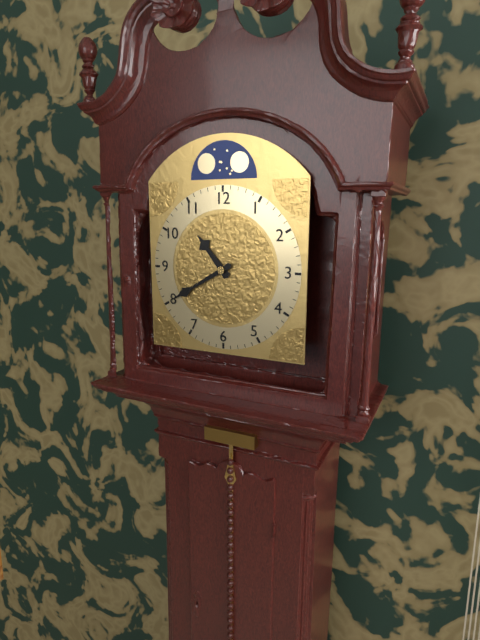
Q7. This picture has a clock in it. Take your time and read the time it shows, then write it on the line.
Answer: 10:40
